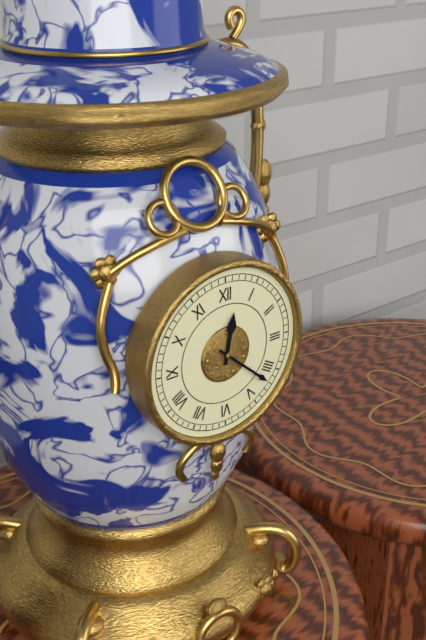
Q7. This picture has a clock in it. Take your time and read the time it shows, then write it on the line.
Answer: 12:22
